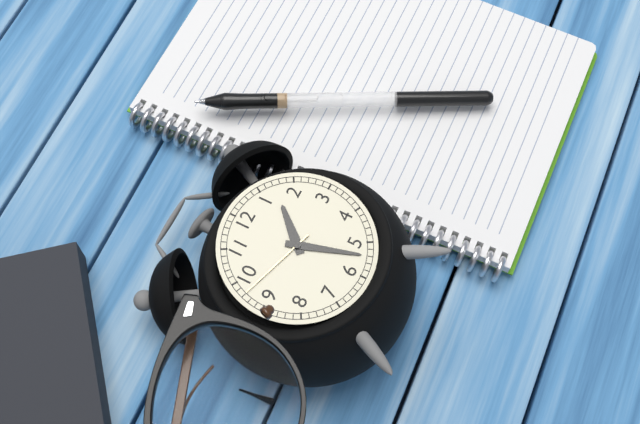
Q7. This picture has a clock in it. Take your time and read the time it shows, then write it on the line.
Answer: 1:27:48
